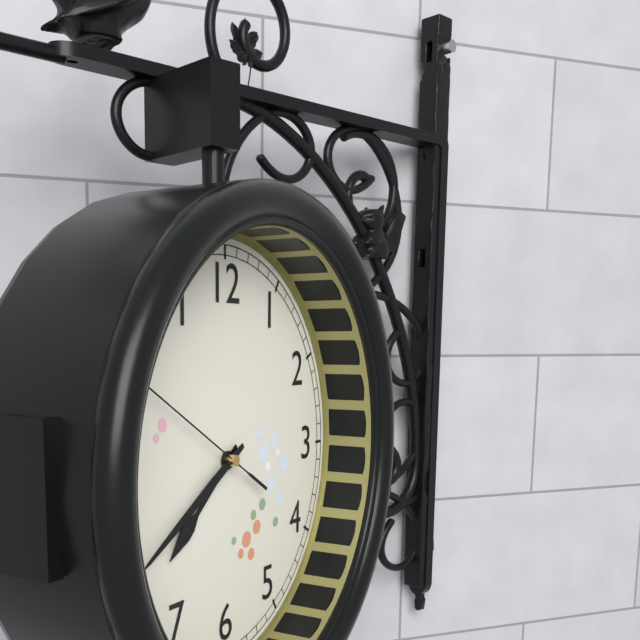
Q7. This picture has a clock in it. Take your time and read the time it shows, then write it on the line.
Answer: 7:40:50
